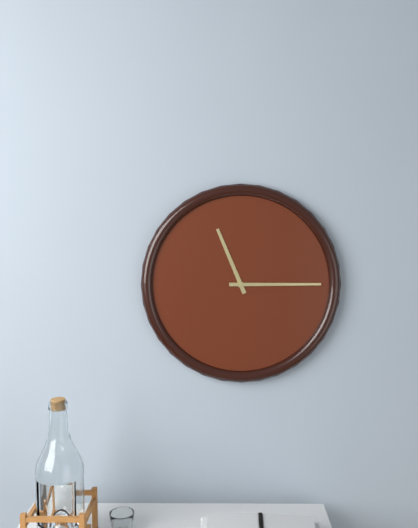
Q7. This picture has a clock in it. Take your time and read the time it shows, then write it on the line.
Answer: 11:15
